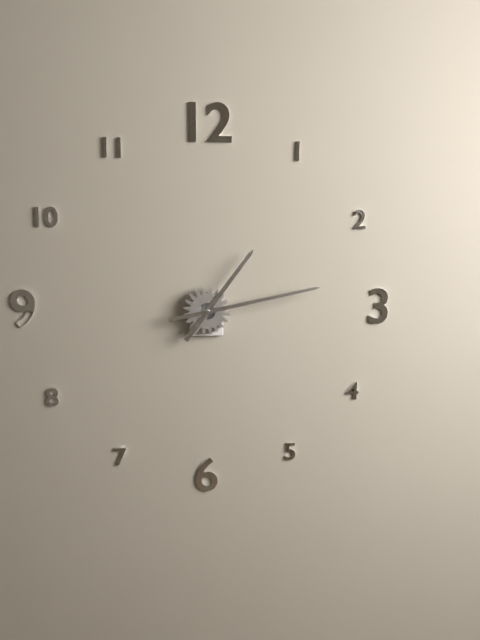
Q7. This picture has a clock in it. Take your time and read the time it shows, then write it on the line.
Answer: 1:13
